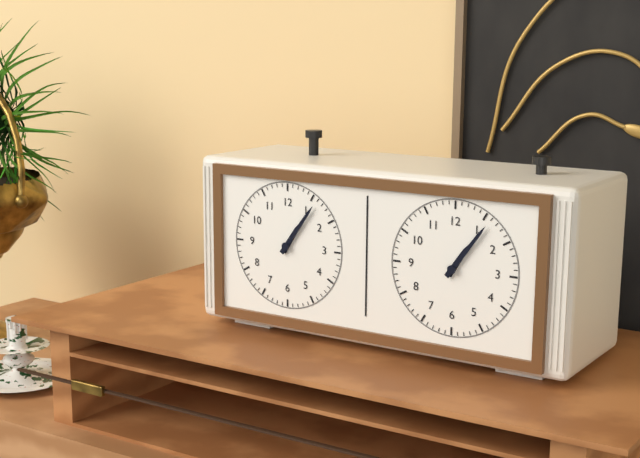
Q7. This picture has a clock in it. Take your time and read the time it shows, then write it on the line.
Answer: 1:06
